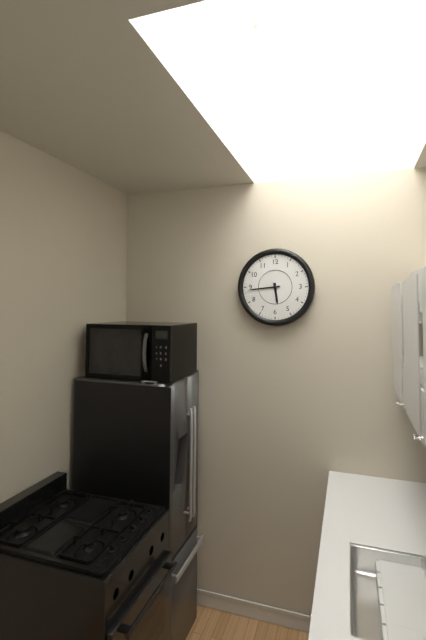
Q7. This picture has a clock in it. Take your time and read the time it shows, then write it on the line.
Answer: 5:44
